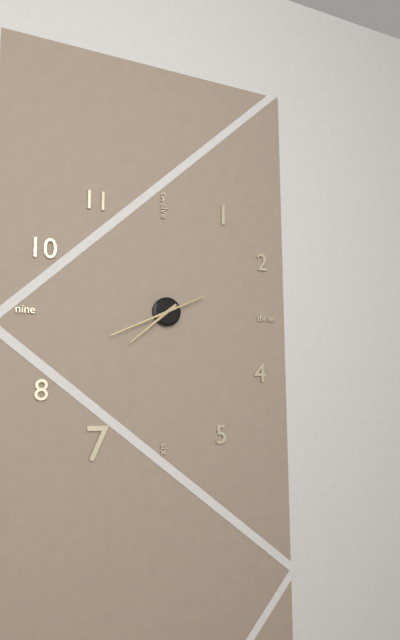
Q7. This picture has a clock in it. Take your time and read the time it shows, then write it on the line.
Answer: 7:41
